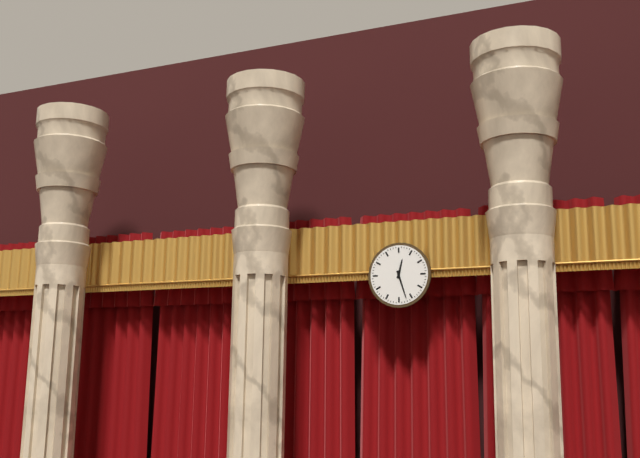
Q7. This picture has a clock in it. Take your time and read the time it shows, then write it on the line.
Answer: 12:27
